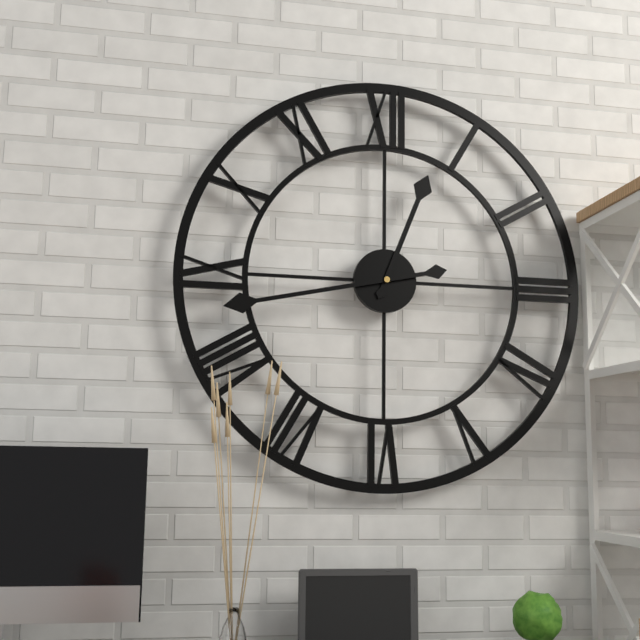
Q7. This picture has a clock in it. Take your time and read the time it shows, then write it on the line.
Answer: 12:43
